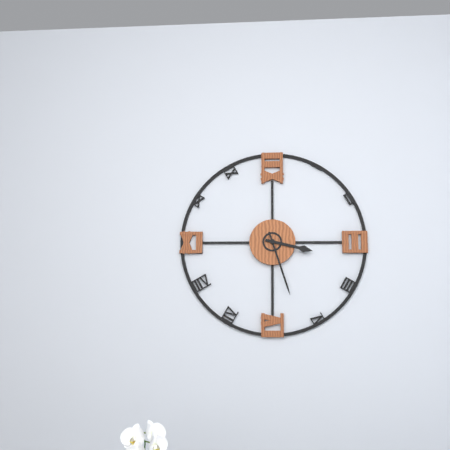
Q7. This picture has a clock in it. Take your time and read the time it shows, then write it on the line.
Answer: 3:27
